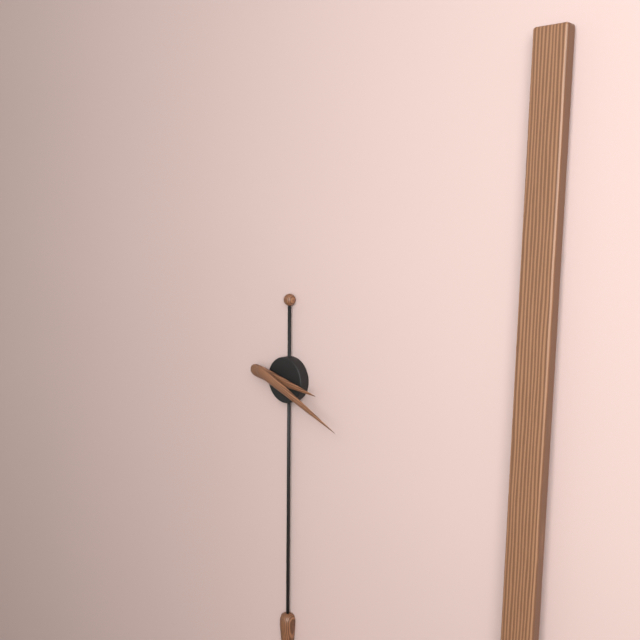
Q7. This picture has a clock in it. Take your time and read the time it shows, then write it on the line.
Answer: 3:19
